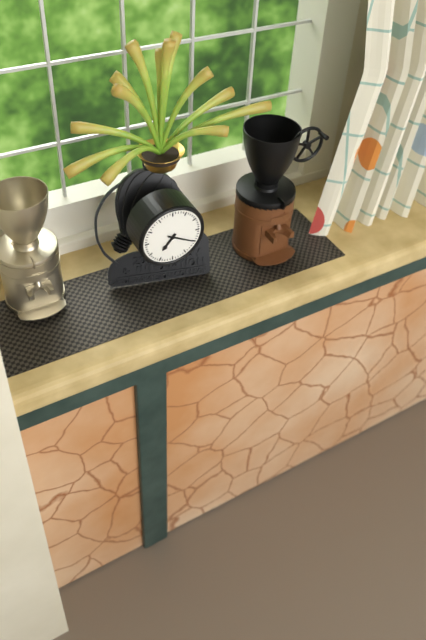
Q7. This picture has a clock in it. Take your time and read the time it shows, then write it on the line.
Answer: 7:20
